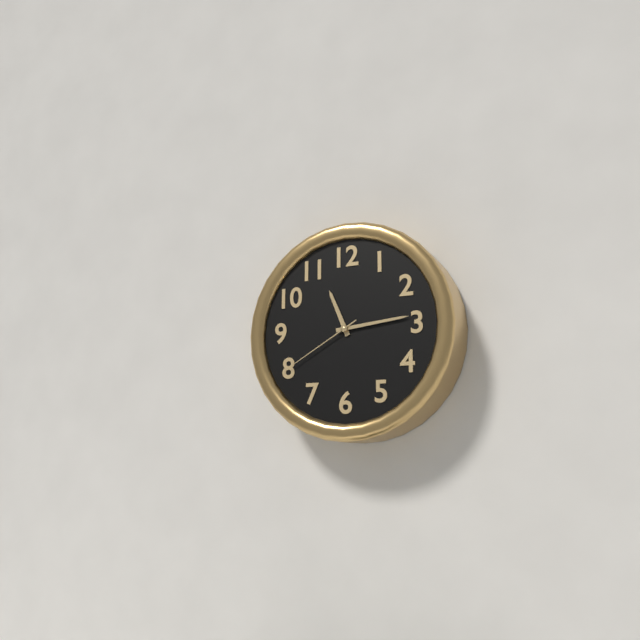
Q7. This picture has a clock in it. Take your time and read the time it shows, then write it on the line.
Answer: 11:14:40
